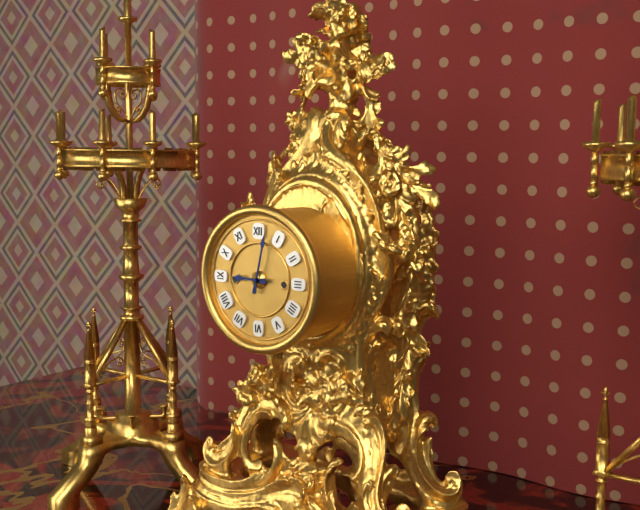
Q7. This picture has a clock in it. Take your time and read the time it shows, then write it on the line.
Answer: 9:02
